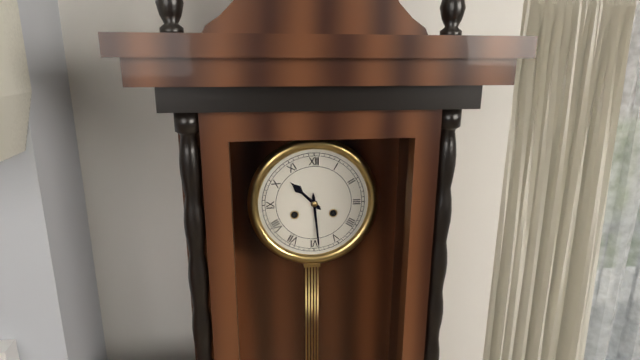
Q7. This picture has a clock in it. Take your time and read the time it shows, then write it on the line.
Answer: 10:29
